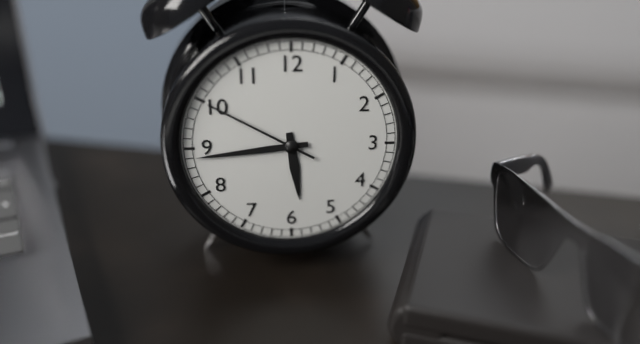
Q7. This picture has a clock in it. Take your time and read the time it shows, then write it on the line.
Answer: 5:44:50
